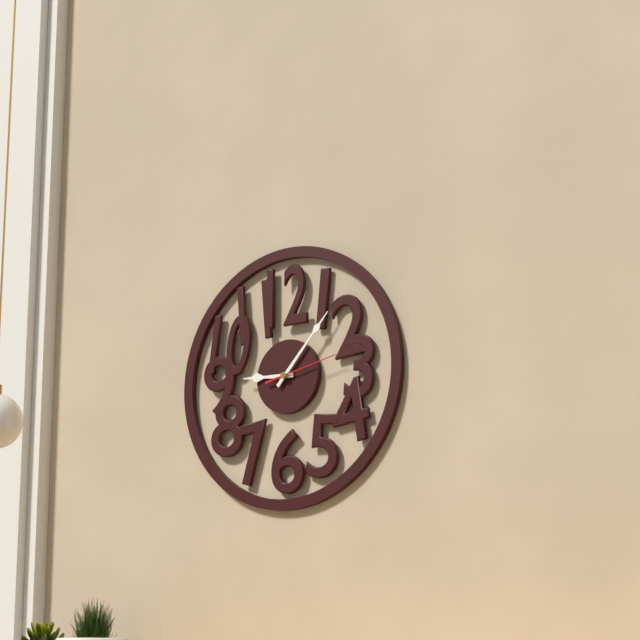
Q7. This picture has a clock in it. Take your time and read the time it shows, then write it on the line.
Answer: 9:07:13
